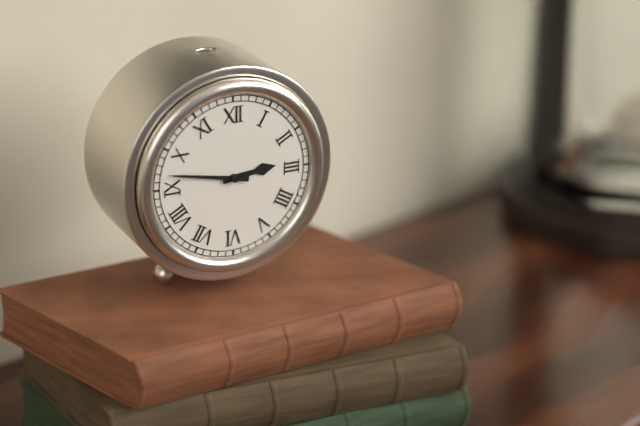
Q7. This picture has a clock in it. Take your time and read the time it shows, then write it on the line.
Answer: 2:47
